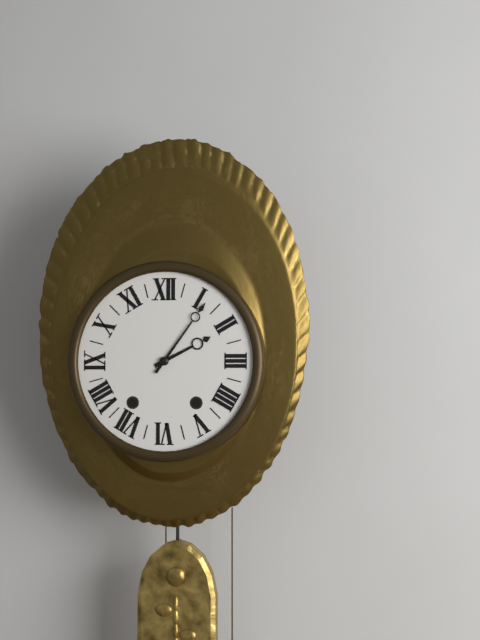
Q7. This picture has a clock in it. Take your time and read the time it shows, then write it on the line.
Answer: 2:06
